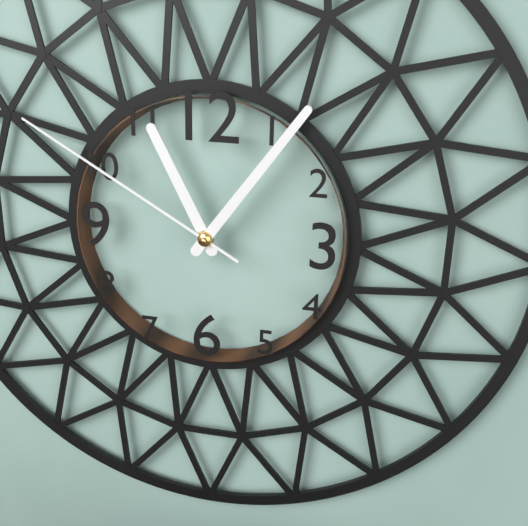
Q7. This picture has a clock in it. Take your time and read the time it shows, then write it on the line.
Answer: 11:06:50
